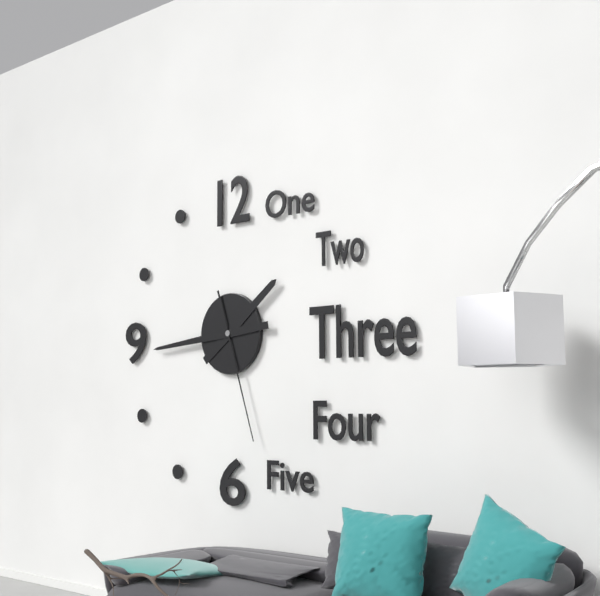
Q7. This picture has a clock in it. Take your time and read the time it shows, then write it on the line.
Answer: 1:44:27
